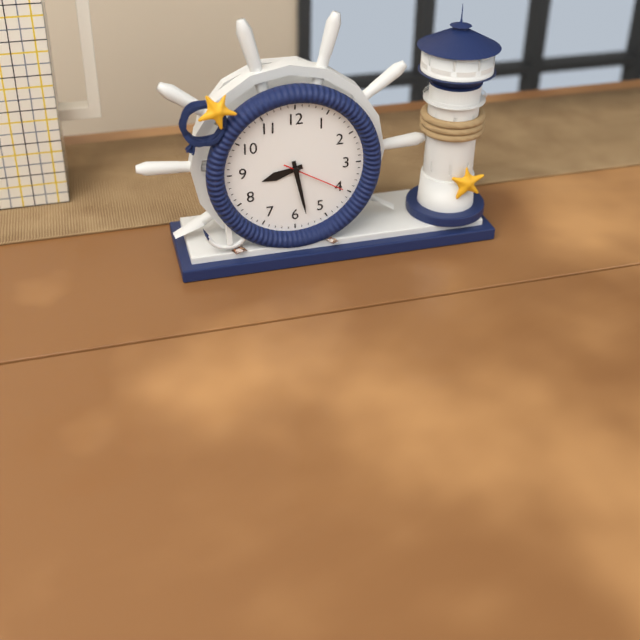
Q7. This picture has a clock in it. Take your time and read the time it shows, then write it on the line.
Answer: 8:28:20
